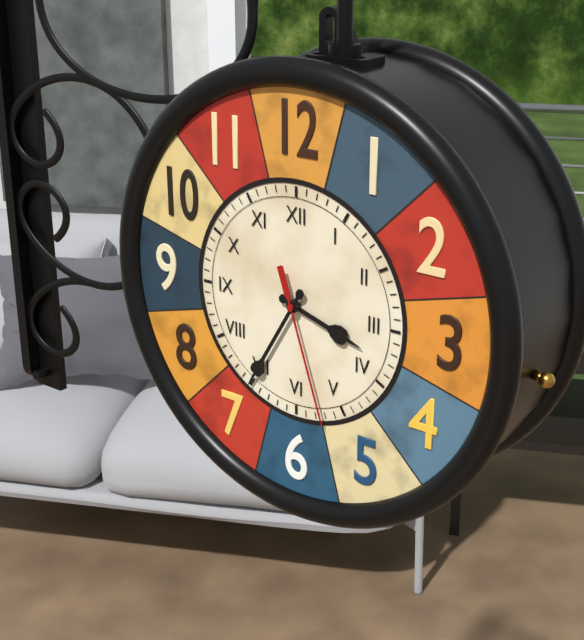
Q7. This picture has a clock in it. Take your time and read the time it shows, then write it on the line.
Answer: 3:35:27
